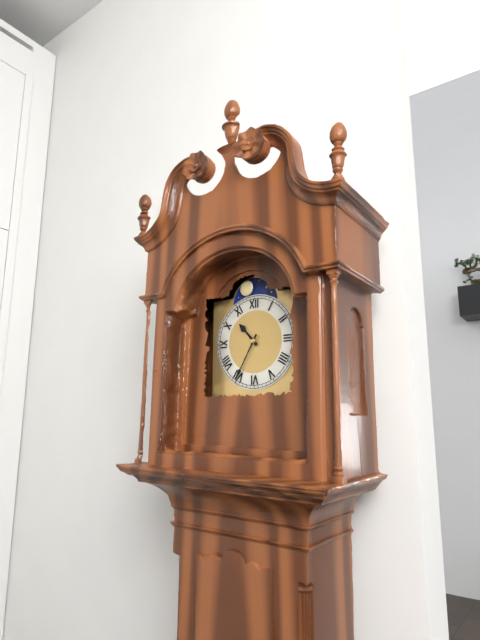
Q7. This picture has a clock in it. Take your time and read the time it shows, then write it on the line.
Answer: 10:35
